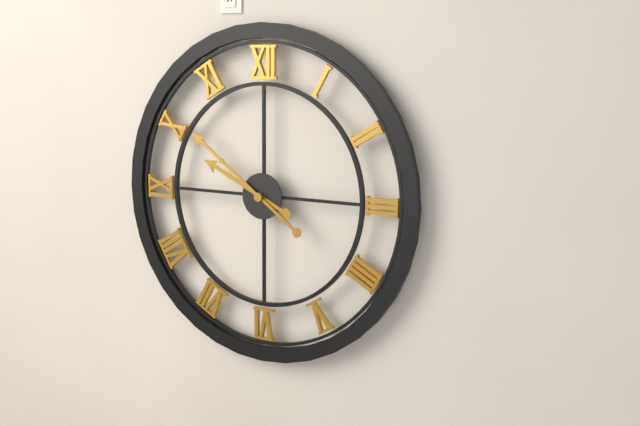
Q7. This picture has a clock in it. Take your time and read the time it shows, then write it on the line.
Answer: 9:51
